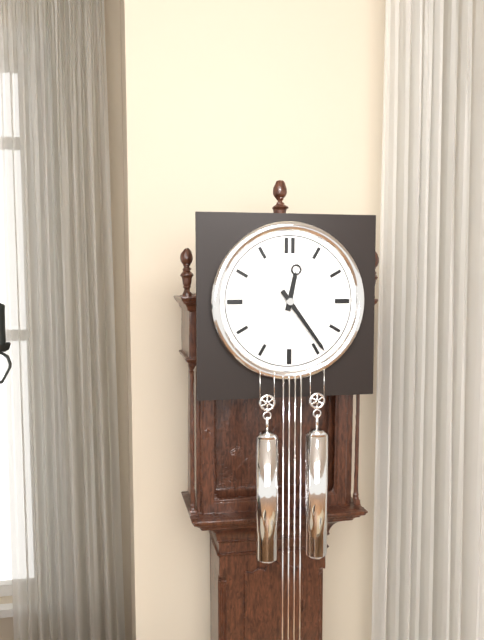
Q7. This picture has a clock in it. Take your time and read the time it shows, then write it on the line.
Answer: 12:24
